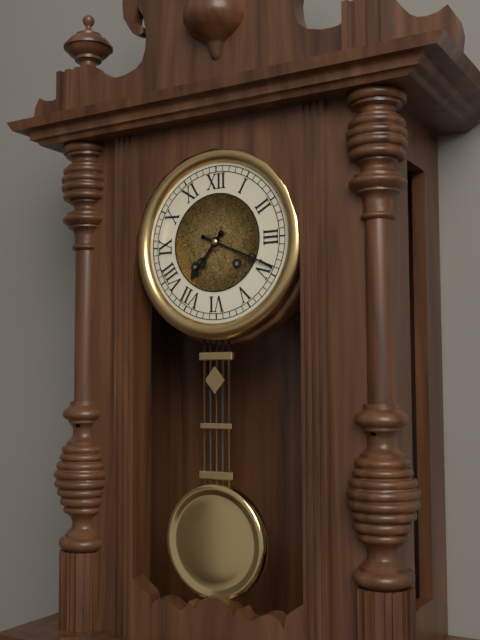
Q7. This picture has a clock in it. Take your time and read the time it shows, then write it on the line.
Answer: 7:19
